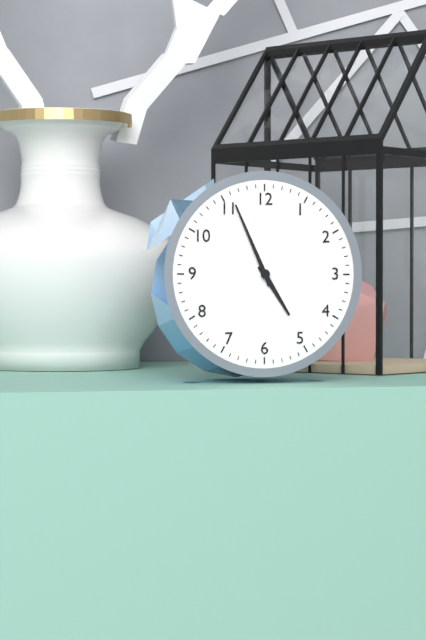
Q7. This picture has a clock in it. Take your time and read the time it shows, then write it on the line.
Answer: 4:56
